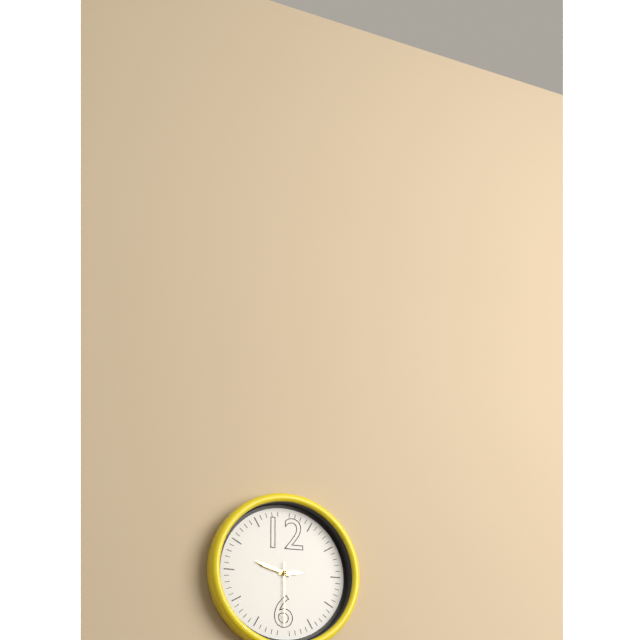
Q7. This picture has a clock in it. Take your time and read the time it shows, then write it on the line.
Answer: 2:48:30
